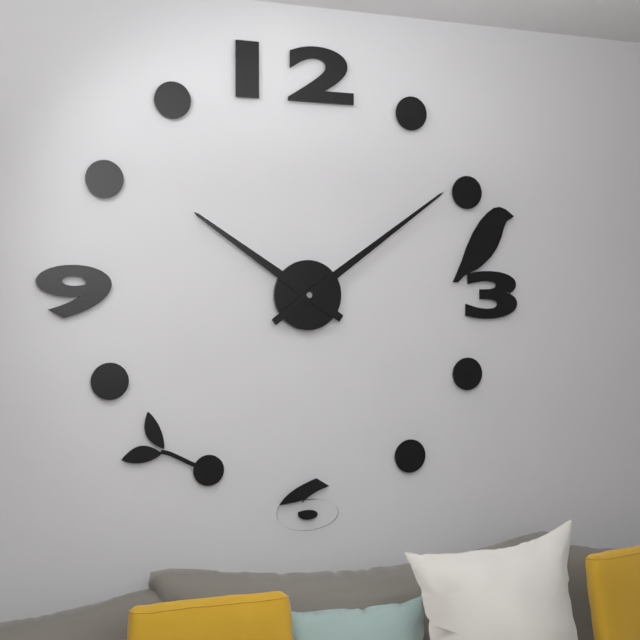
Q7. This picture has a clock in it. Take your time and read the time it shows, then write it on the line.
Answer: 10:09
